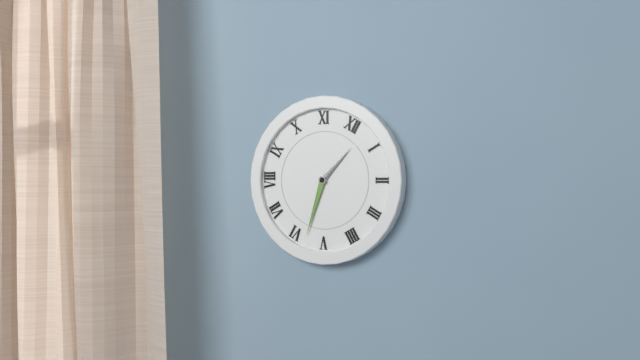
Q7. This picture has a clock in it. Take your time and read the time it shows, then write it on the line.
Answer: 12:28
